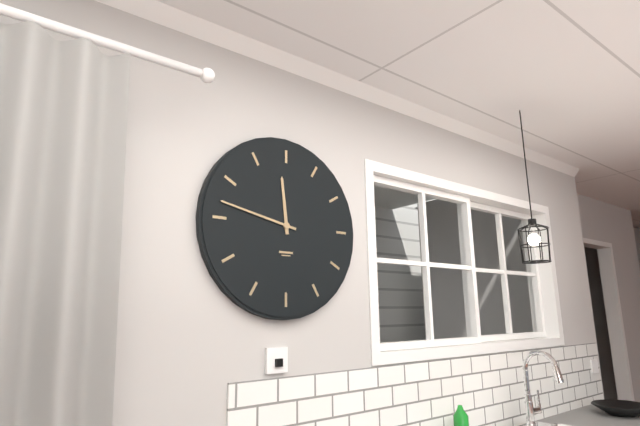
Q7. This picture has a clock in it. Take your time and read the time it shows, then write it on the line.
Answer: 11:47
